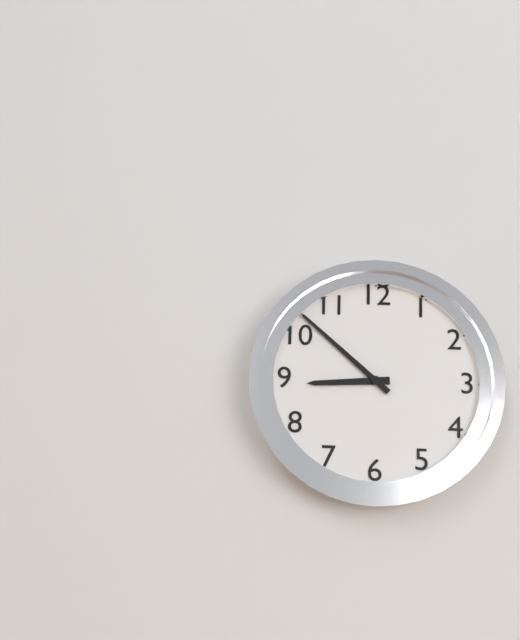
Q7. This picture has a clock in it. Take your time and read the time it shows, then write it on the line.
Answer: 8:52
